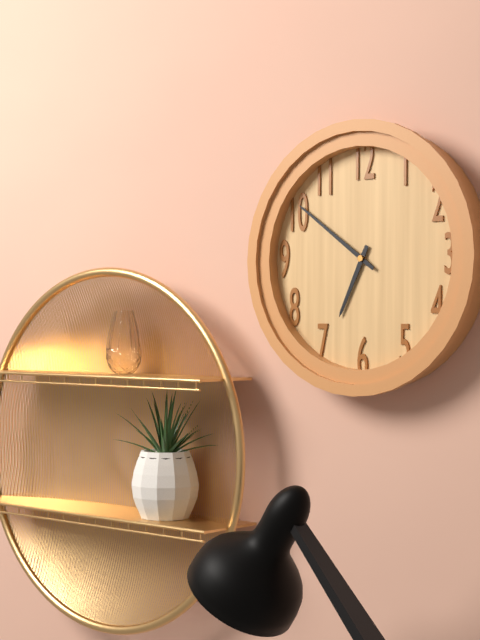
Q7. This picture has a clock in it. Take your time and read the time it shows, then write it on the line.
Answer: 6:51
